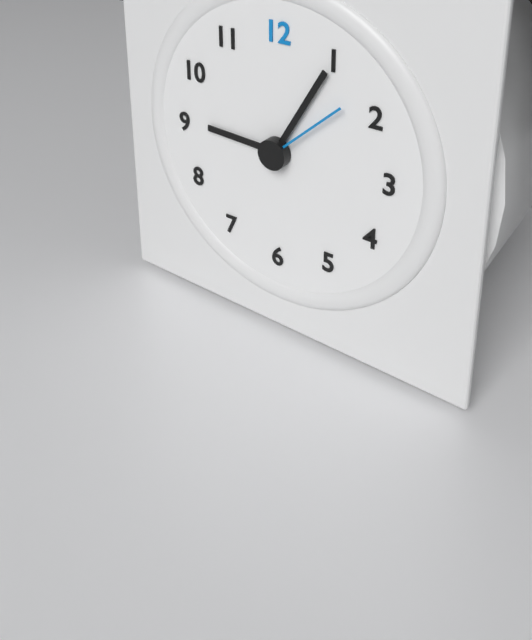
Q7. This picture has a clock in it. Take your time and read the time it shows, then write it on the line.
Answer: 9:05:08
